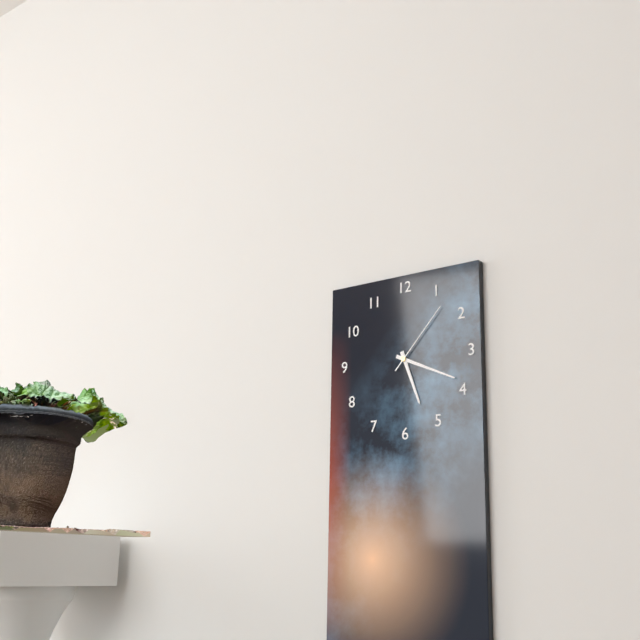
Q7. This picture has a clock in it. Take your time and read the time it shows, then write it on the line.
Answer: 5:19:07
